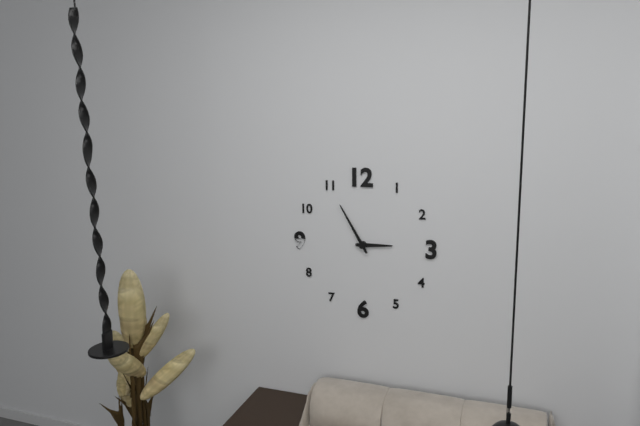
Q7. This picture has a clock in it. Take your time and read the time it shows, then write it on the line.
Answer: 2:55
